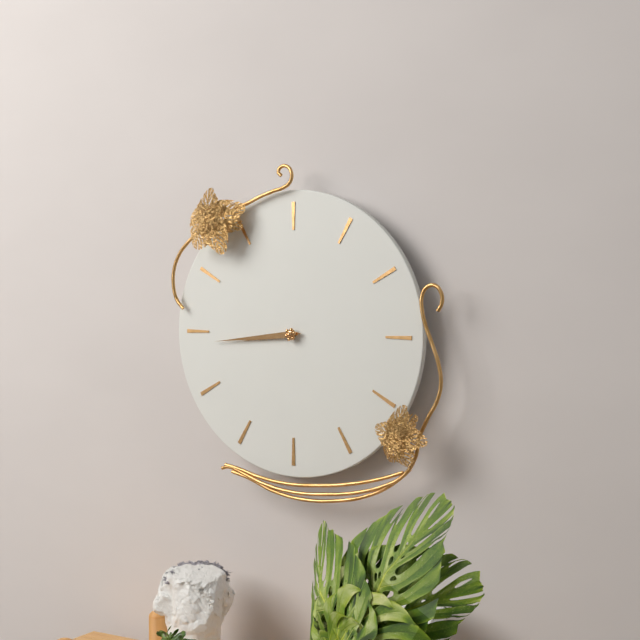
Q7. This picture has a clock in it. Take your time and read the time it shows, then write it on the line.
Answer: 8:44
